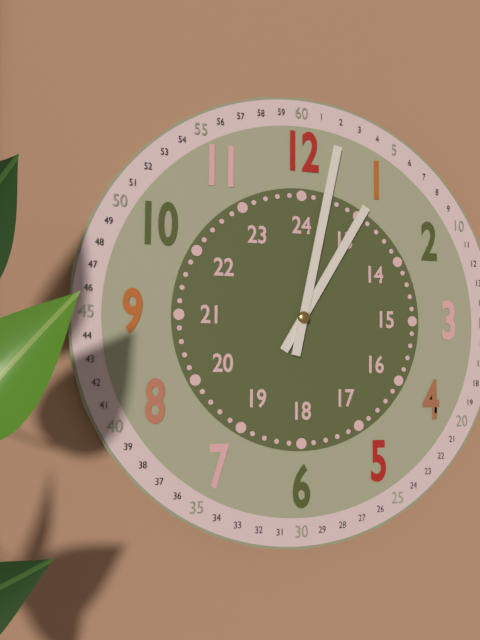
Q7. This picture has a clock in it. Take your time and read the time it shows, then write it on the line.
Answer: 1:02
